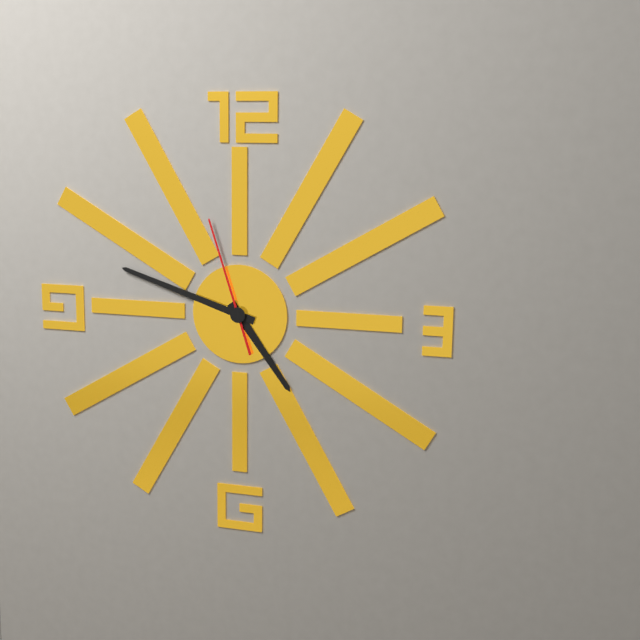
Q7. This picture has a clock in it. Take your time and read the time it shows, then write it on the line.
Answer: 4:48:57
